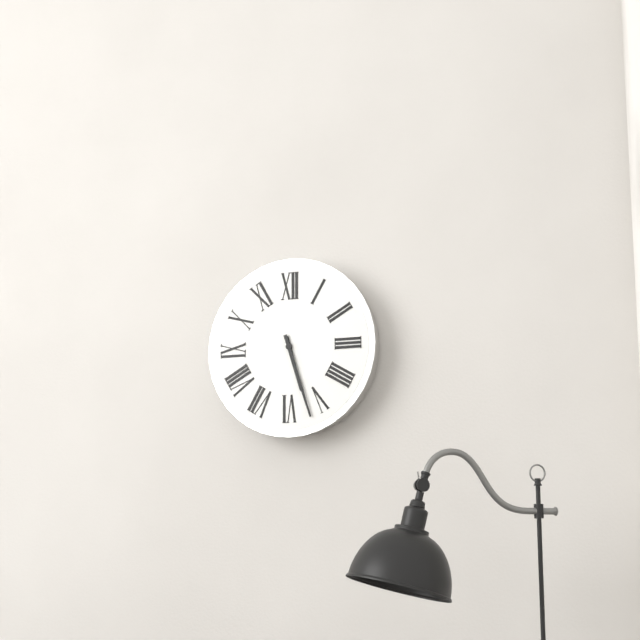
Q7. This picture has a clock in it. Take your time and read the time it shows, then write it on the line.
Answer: 5:27
